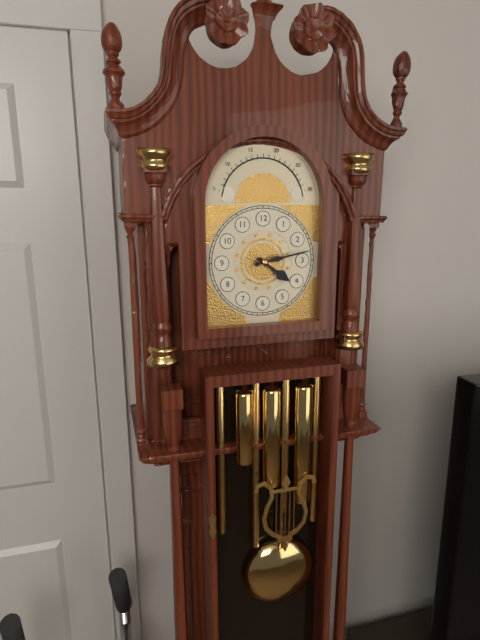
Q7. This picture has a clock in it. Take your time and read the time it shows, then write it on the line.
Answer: 4:13
